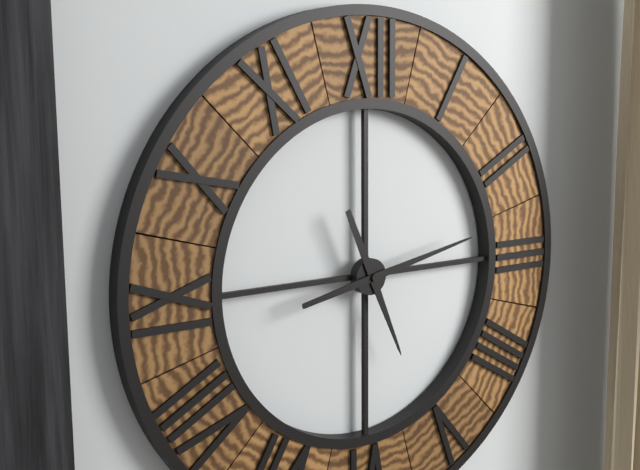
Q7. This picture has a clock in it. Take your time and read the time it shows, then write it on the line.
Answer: 5:13
